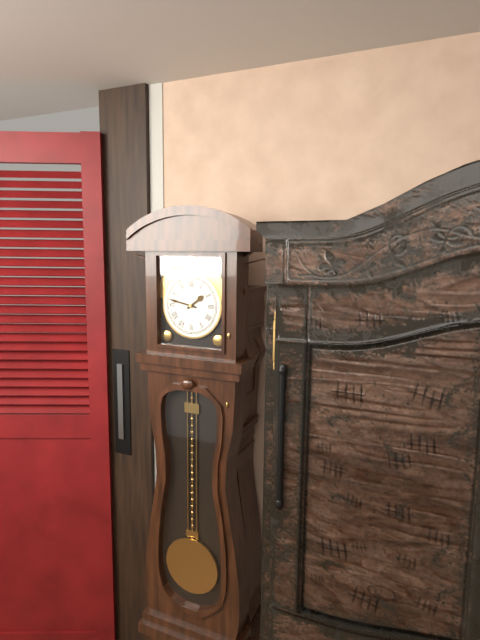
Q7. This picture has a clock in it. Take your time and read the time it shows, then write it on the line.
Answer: 1:47
